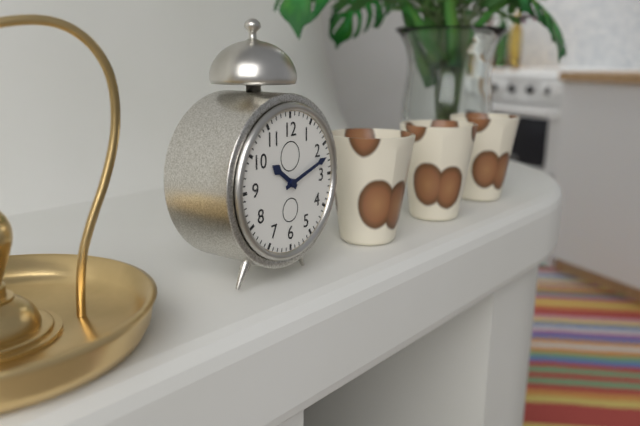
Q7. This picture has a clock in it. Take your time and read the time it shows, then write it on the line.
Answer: 10:12
